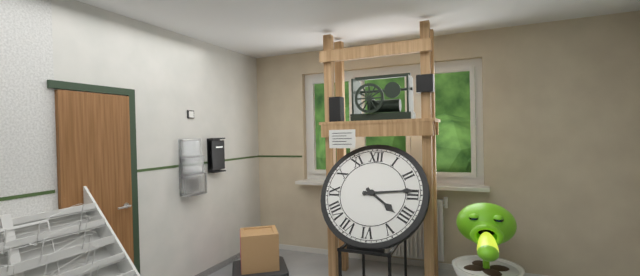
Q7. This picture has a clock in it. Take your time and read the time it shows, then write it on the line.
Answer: 4:14
